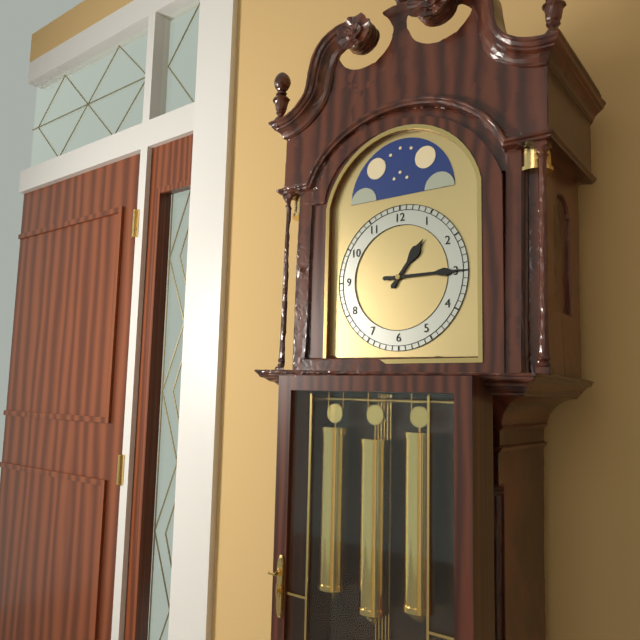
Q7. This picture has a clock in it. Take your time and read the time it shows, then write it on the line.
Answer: 1:15
